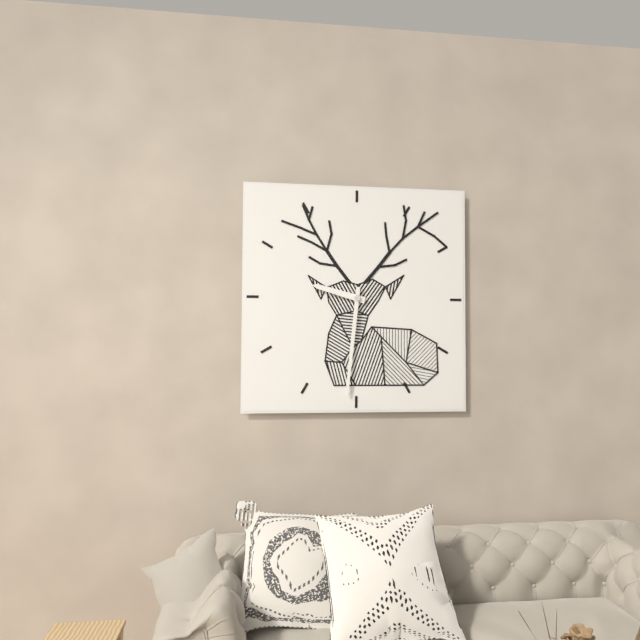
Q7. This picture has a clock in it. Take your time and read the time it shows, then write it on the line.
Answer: 9:31
